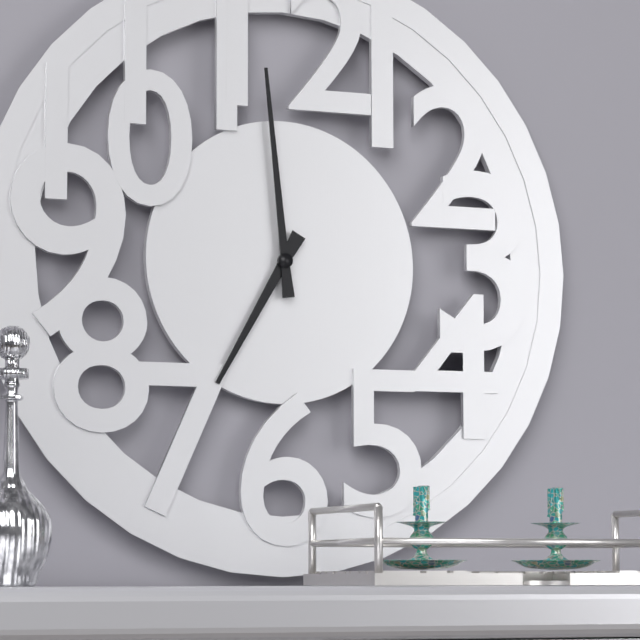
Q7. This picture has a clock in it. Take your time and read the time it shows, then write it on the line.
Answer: 6:59
